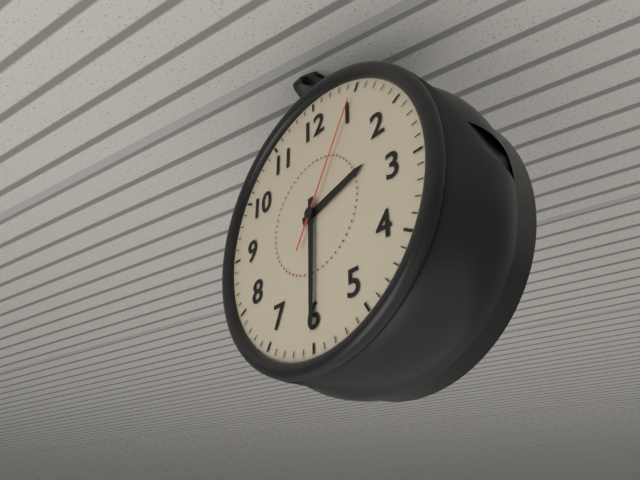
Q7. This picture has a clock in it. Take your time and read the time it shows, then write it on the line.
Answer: 2:30:05
